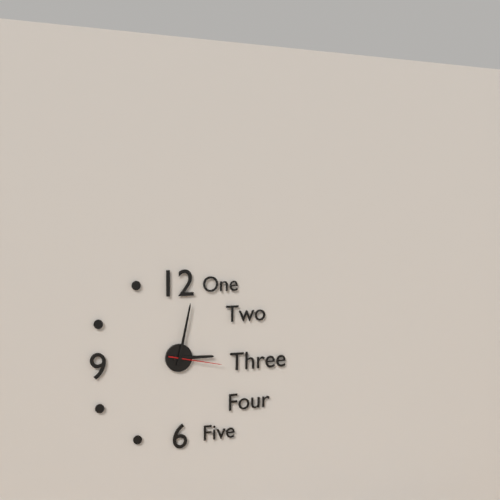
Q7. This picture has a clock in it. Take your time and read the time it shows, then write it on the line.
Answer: 3:02:17
